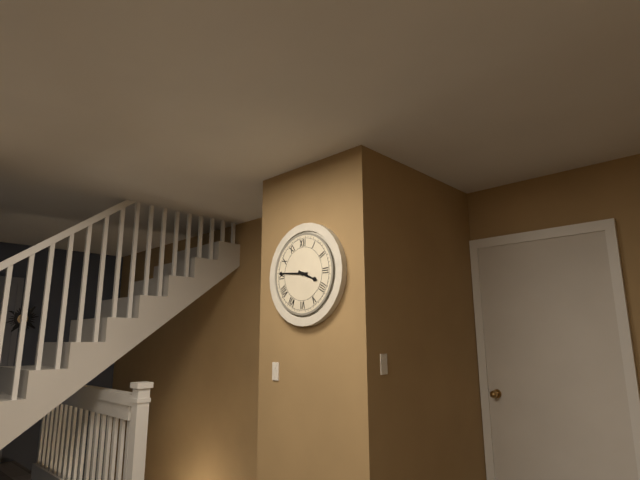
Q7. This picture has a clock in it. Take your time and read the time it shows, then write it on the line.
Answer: 3:46
